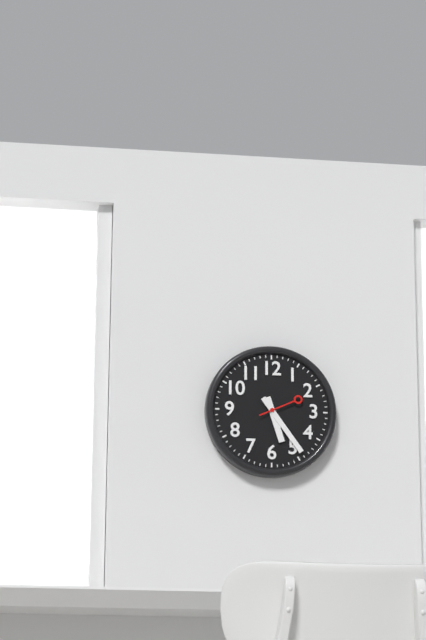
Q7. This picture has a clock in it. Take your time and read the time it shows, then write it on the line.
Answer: 5:24
